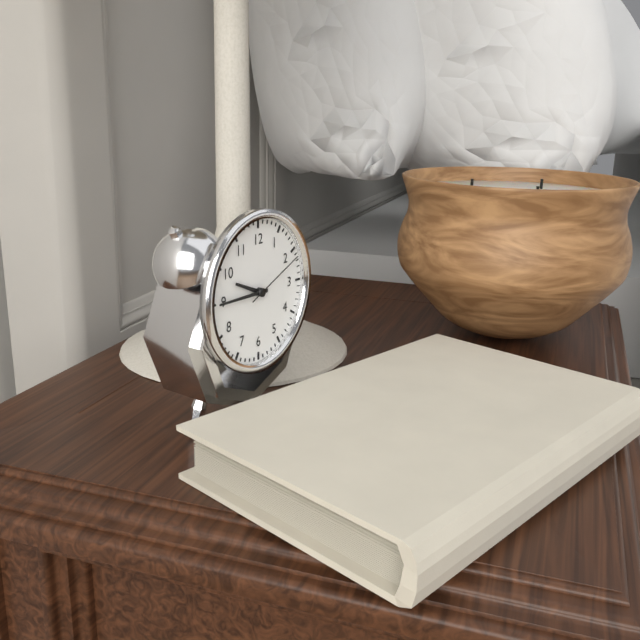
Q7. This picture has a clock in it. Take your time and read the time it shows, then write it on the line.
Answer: 9:45:11
